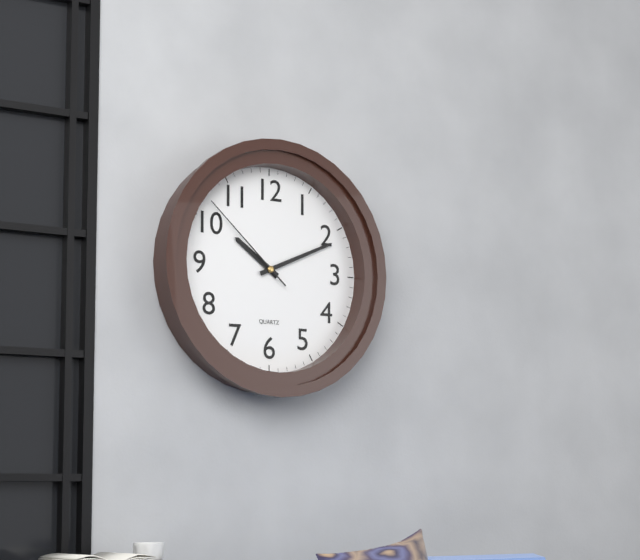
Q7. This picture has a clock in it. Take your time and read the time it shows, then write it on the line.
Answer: 10:11:52
